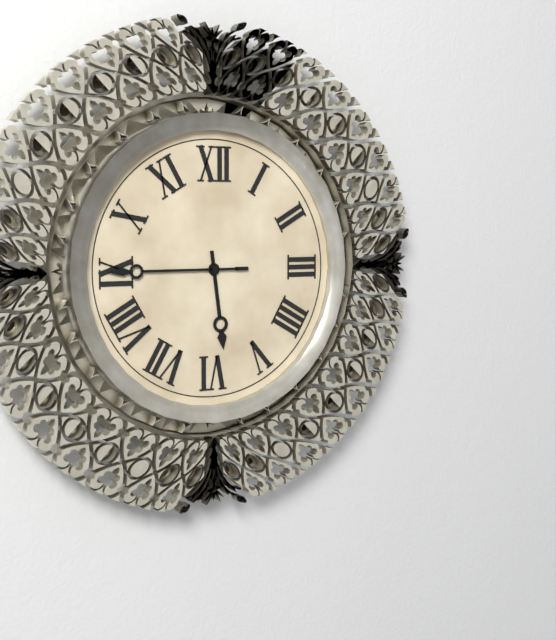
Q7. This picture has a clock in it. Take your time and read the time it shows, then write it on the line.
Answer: 5:45
